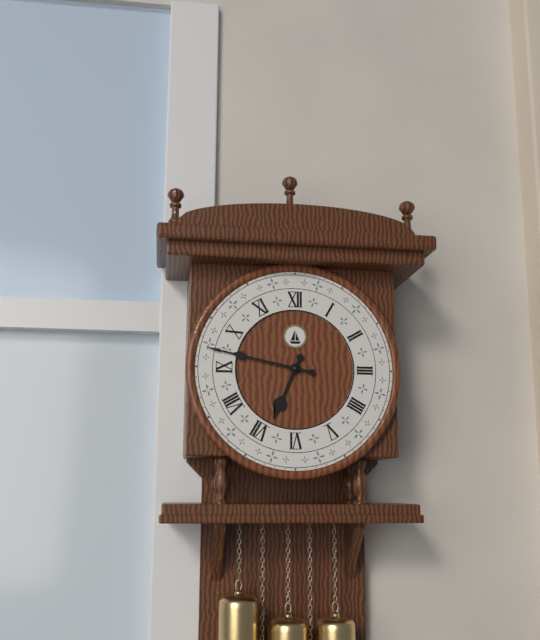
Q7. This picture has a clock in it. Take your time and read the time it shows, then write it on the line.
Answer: 6:47
